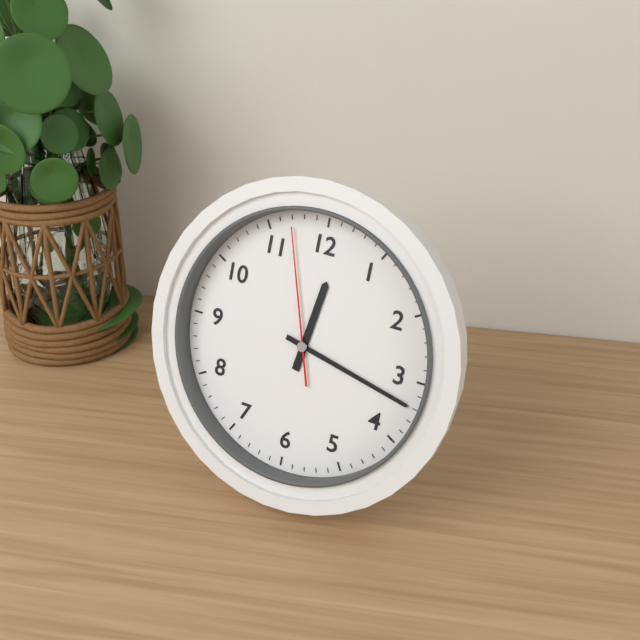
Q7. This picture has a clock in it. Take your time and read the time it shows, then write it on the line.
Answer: 12:17:57
